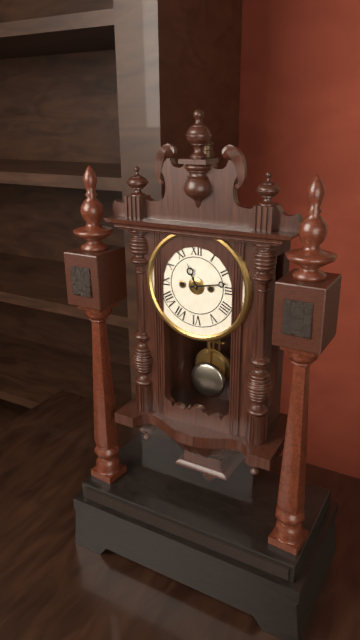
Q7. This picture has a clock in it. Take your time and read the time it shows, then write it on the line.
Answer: 11:13
